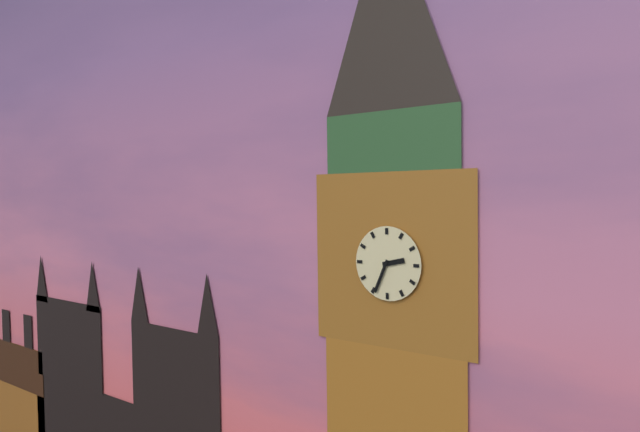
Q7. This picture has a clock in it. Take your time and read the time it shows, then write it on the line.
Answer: 2:34
